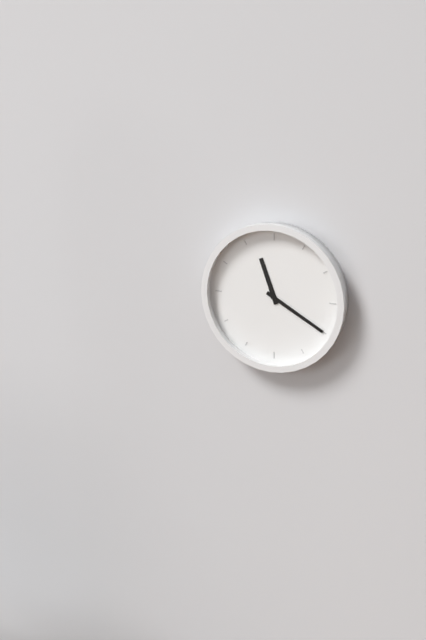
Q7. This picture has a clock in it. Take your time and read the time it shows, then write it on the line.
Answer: 11:20
